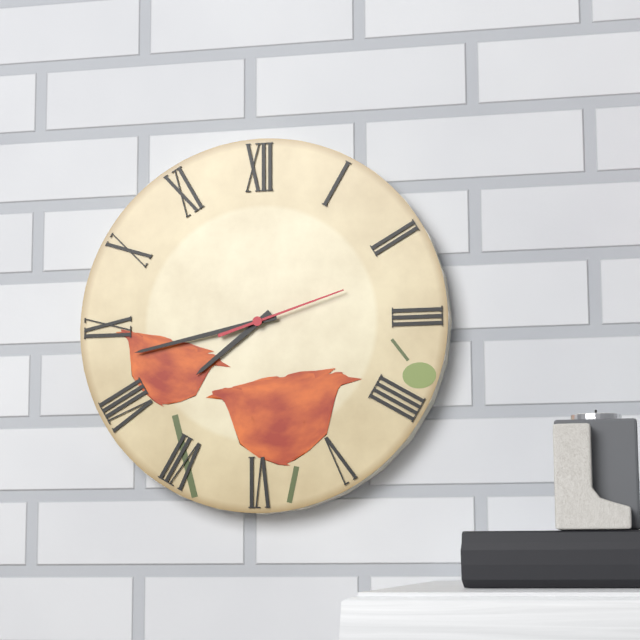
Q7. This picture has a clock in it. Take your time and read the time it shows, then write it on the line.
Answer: 7:43:12
